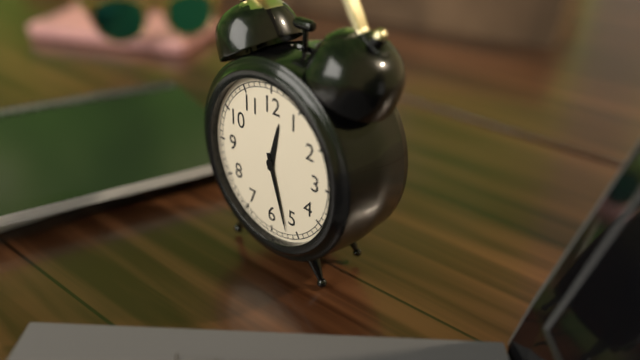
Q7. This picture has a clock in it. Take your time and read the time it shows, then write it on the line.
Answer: 12:27
